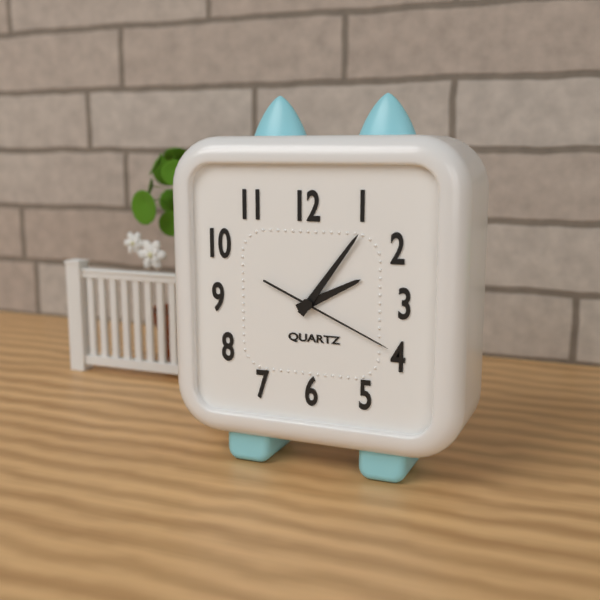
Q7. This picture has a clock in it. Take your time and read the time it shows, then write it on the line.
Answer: 2:06:19
